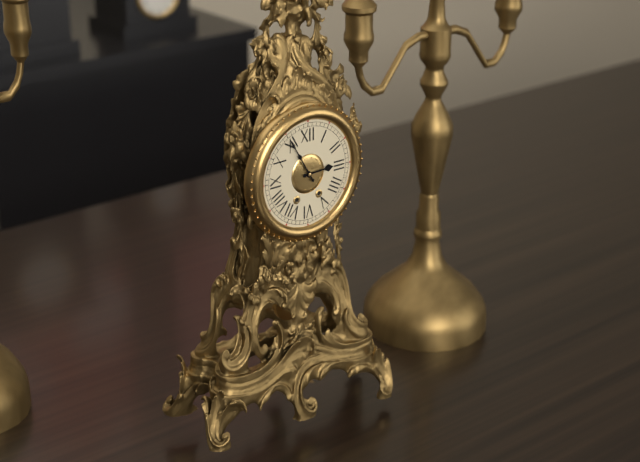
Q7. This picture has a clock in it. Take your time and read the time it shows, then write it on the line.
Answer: 2:55
